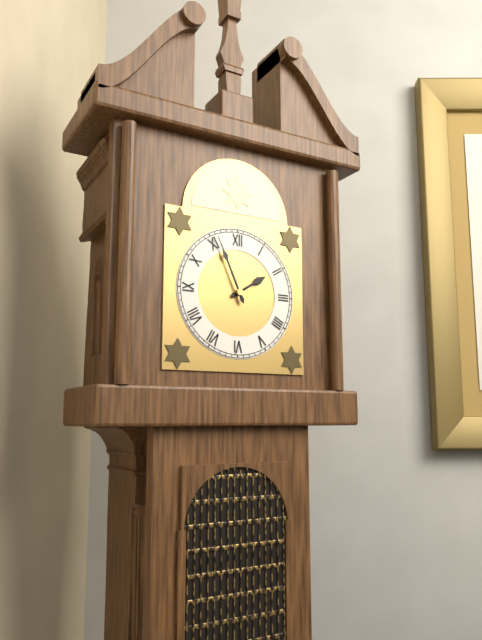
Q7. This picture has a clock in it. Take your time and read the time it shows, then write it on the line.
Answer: 1:56
